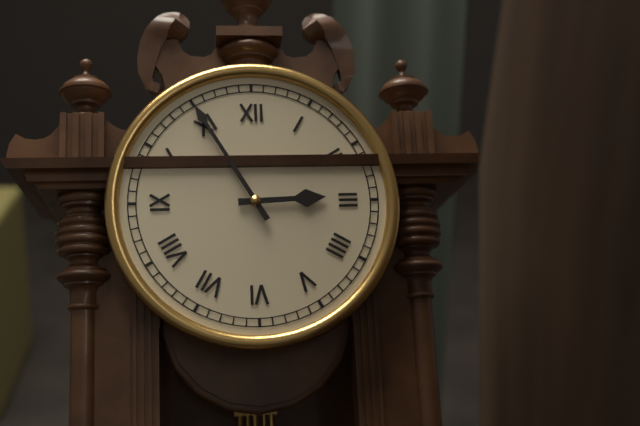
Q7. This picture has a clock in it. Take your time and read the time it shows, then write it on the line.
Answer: 2:55
